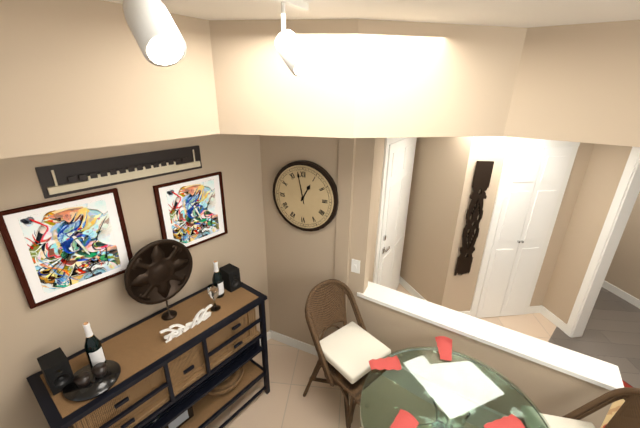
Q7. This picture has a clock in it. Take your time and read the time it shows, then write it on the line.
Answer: 12:58
